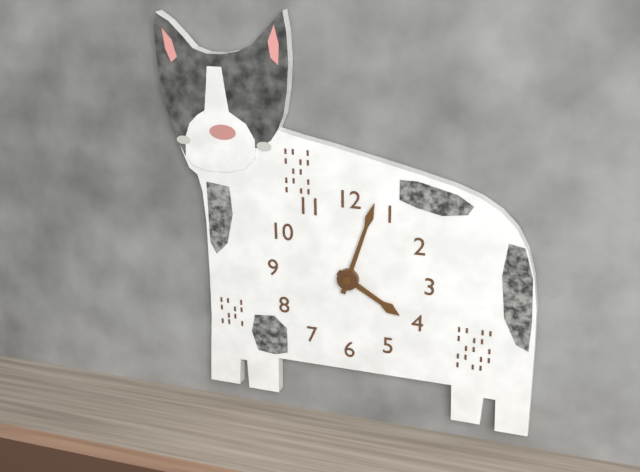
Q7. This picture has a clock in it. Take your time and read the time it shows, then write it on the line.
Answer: 4:03
